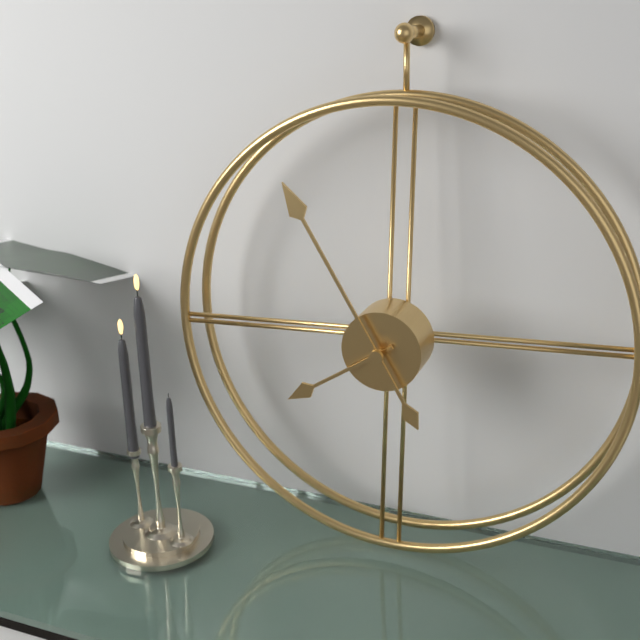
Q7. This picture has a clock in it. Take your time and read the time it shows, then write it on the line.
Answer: 7:55
